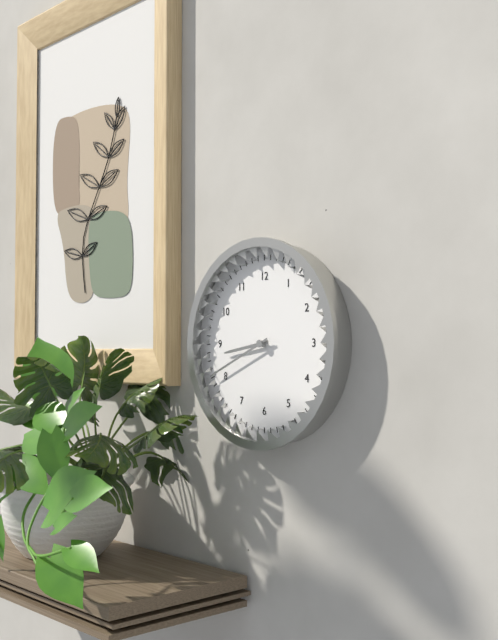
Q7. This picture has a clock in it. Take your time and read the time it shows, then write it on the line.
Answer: 8:41
